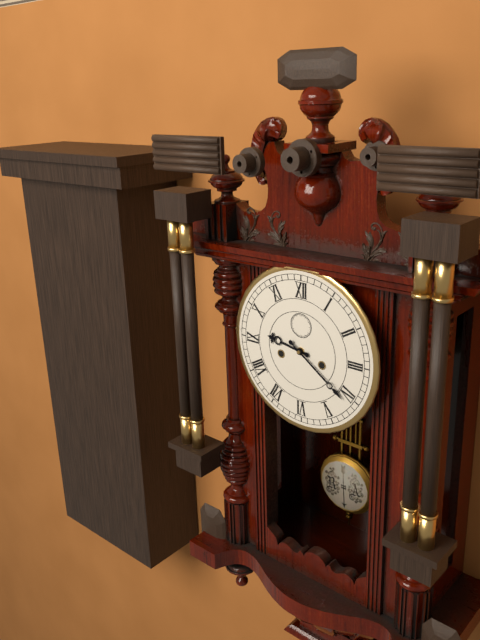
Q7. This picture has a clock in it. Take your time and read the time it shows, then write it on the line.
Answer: 9:21
